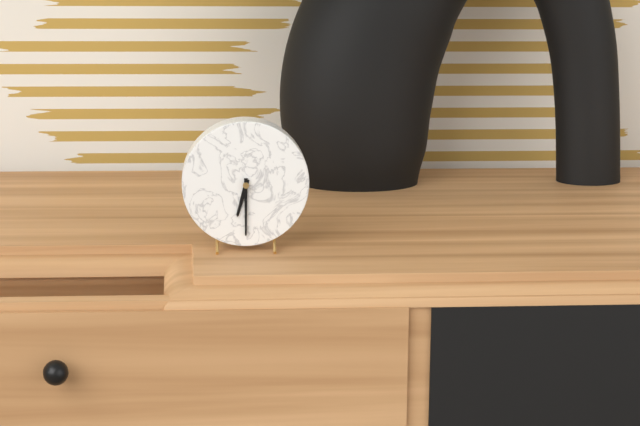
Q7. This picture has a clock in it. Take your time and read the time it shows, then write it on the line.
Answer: 6:30
